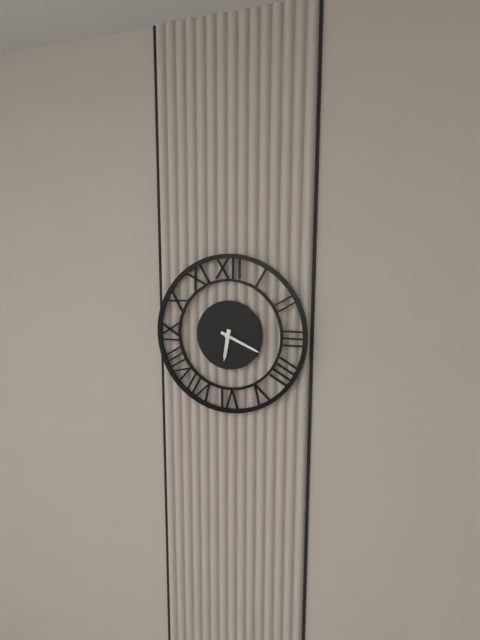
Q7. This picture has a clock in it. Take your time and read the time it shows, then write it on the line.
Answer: 6:19
